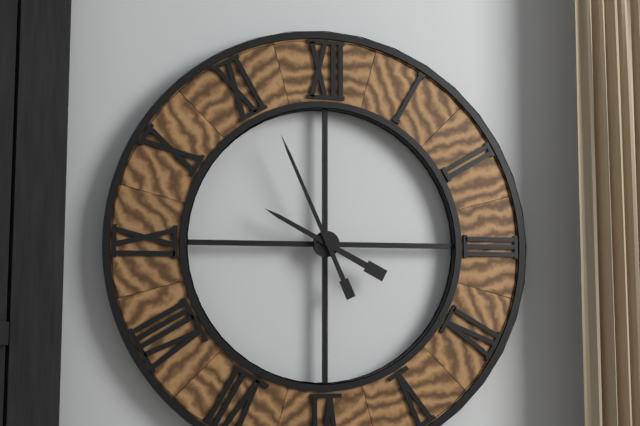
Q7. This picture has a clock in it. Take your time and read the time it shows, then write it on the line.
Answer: 9:56
